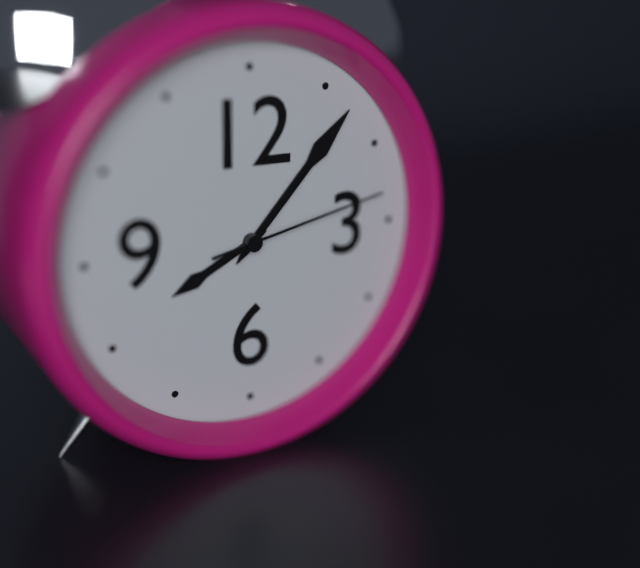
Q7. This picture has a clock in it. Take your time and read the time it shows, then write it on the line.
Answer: 8:07:13
